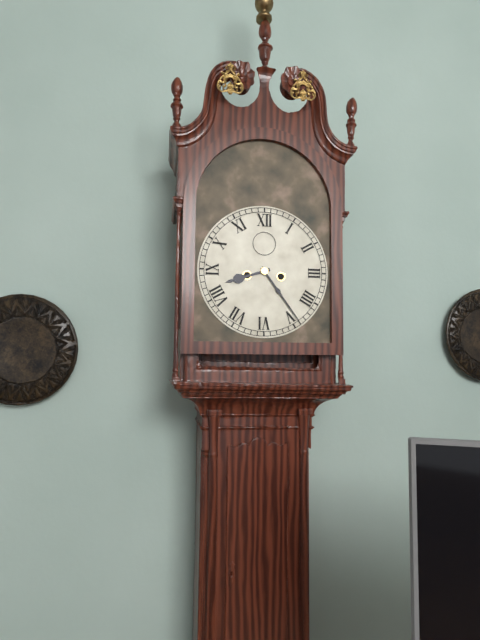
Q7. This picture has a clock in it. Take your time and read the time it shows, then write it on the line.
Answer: 8:24
